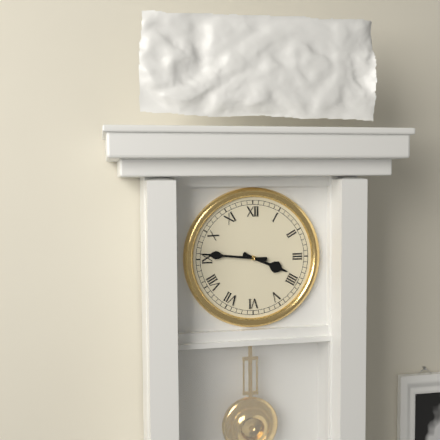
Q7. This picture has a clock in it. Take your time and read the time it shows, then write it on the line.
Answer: 3:46
